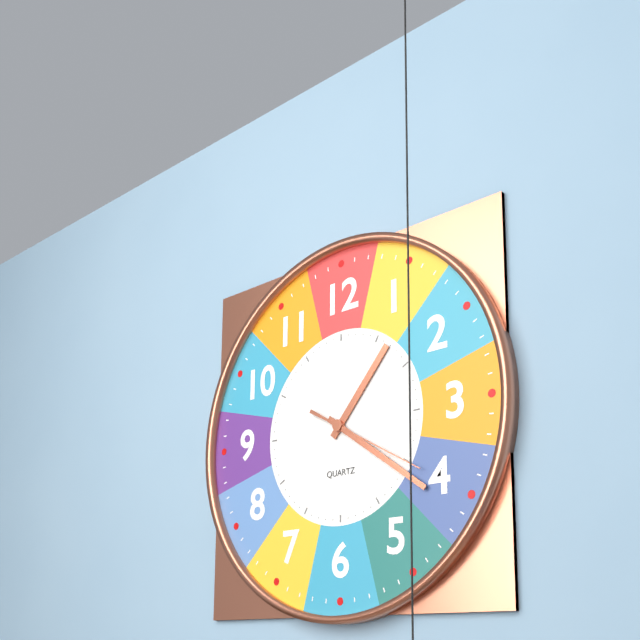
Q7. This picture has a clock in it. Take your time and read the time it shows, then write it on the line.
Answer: 1:21:20
